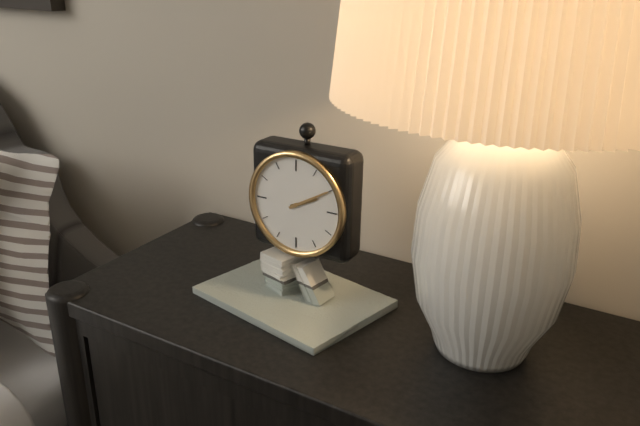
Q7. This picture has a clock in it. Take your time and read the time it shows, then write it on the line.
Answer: 2:10
